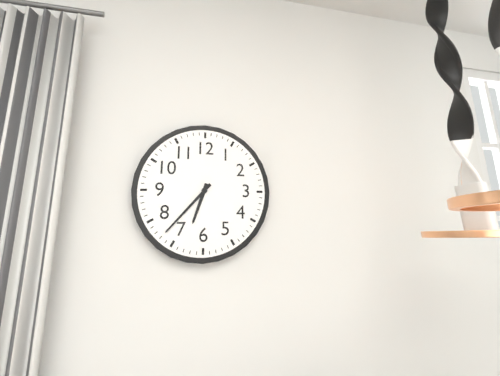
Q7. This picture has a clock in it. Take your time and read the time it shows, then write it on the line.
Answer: 6:37
